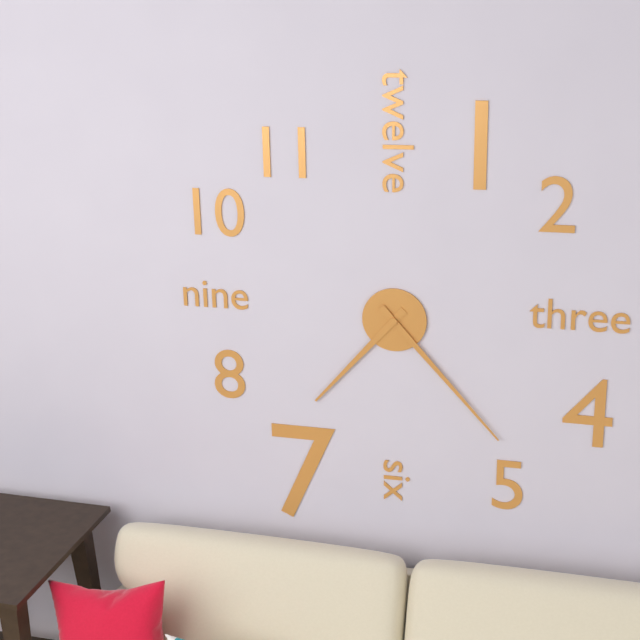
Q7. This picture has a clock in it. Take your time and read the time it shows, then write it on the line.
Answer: 7:23
